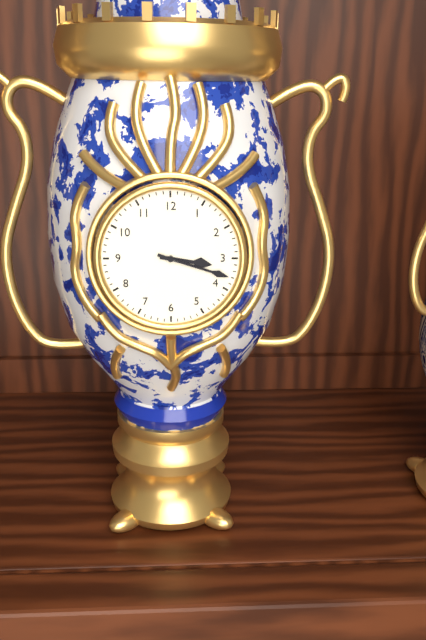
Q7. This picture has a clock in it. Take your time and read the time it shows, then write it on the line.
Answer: 3:18
